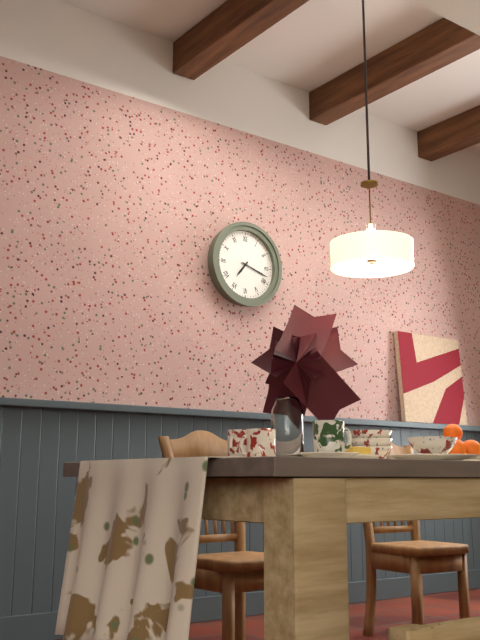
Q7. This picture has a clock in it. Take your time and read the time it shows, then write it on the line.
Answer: 7:18
